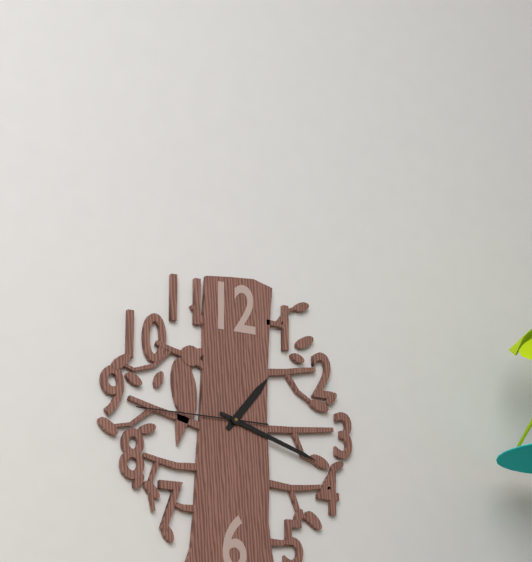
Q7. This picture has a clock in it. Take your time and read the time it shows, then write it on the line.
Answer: 1:18:45
